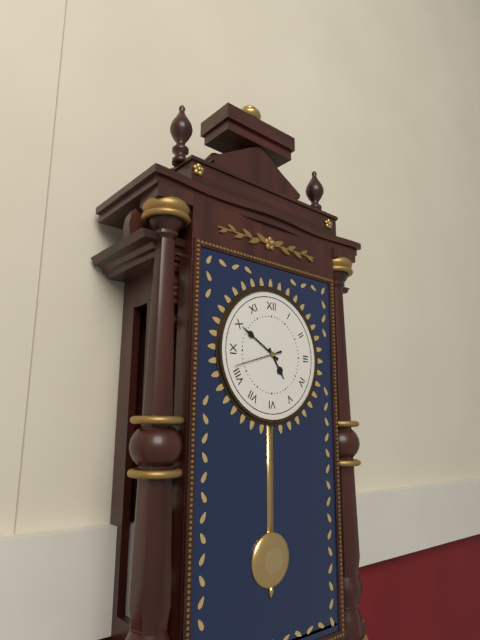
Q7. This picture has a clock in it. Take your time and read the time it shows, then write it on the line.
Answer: 4:50
